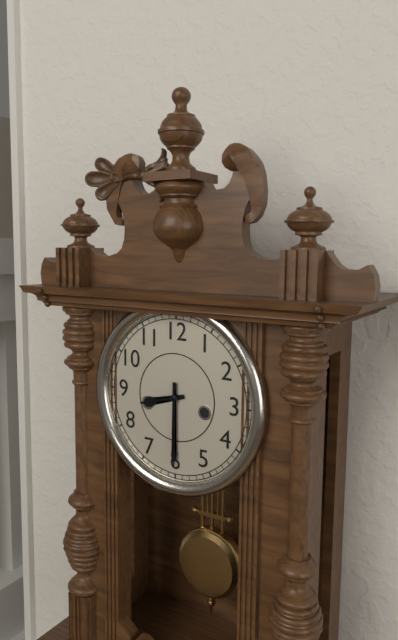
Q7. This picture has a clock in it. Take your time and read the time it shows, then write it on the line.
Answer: 8:30
